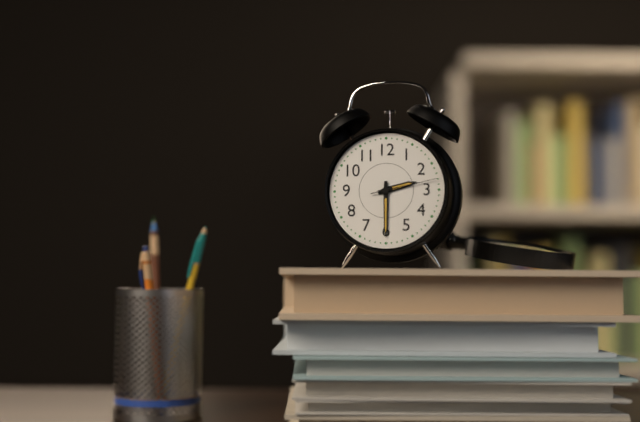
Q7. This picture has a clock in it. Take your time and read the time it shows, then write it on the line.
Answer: 2:30:13
